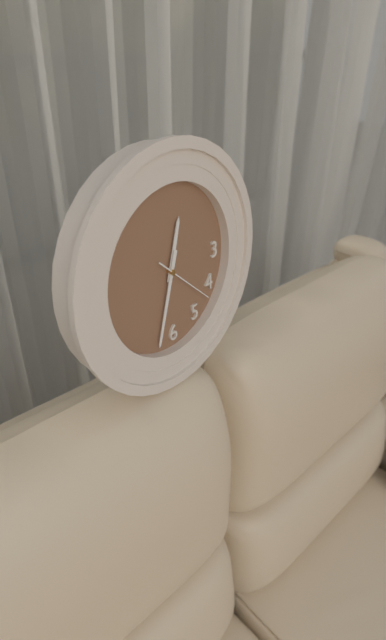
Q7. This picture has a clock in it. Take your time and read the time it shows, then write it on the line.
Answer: 12:33:22
